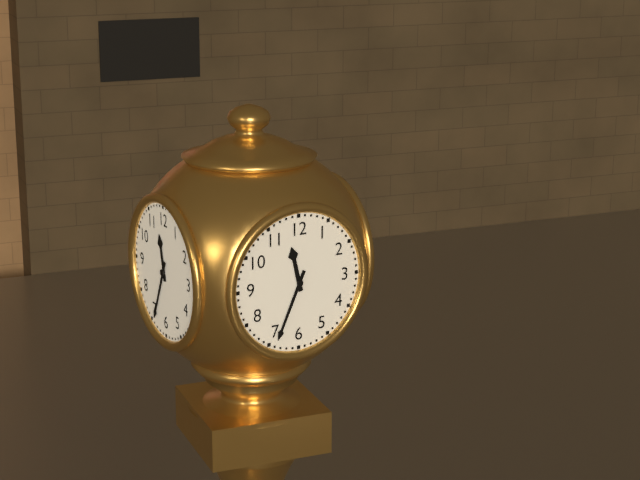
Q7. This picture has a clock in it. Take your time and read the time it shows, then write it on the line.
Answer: 11:34
